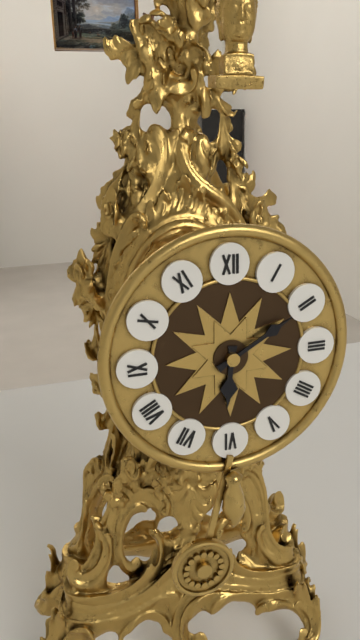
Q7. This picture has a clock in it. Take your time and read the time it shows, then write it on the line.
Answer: 6:10
